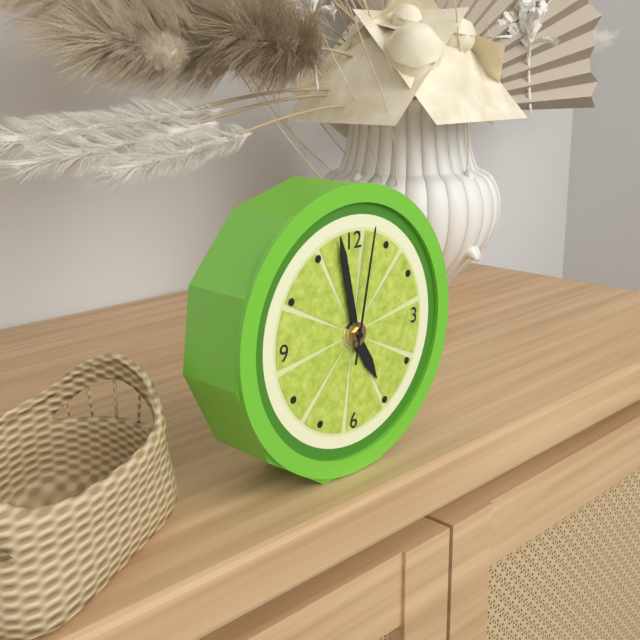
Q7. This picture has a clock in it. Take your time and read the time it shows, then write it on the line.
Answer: 4:58:02
